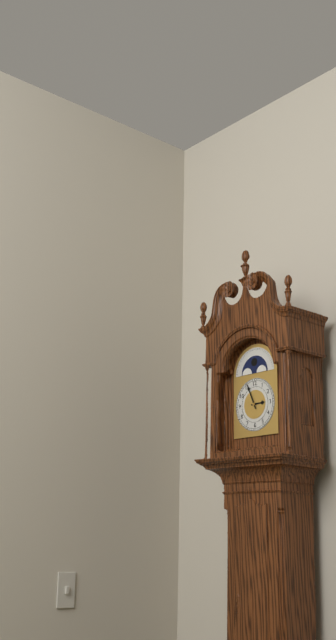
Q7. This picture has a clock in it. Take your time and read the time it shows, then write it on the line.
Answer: 2:56
